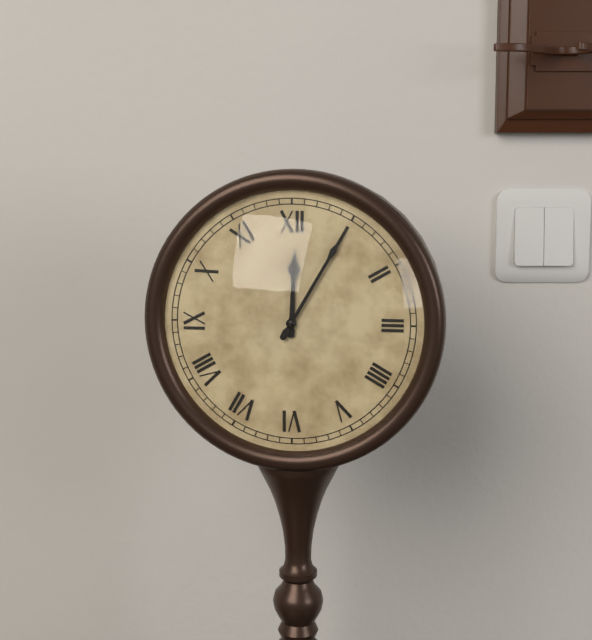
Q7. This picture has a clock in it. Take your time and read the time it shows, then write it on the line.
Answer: 12:05
